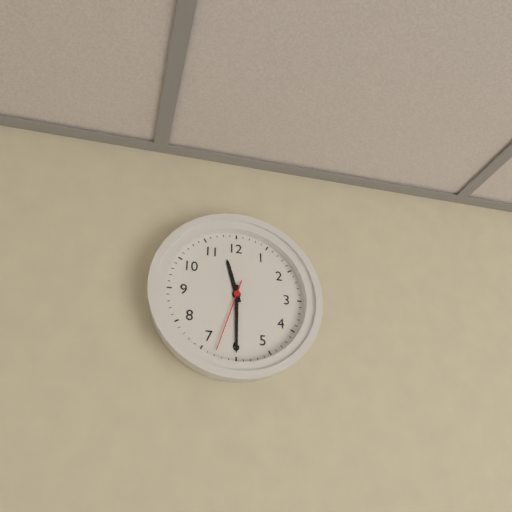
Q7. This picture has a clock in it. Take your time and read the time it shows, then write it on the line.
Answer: 11:30:33
